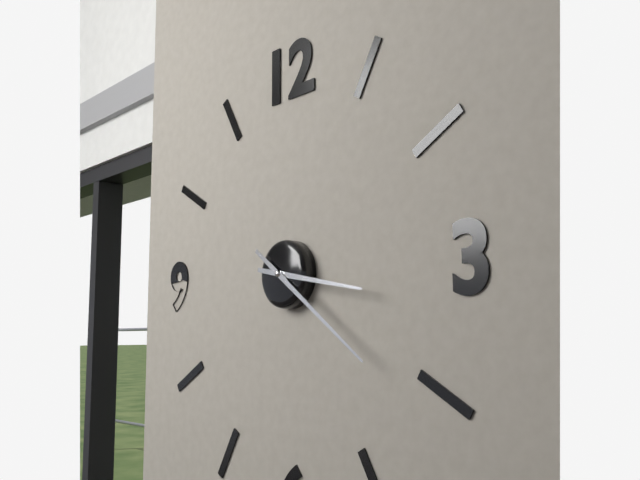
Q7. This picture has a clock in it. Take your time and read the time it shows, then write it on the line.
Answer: 3:21
